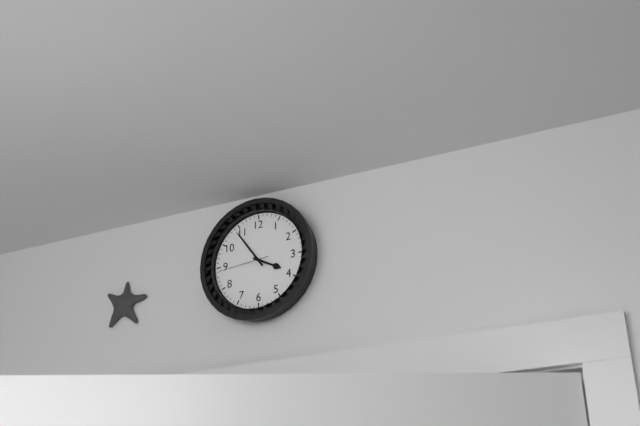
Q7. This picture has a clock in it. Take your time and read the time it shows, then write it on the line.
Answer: 3:54:44
